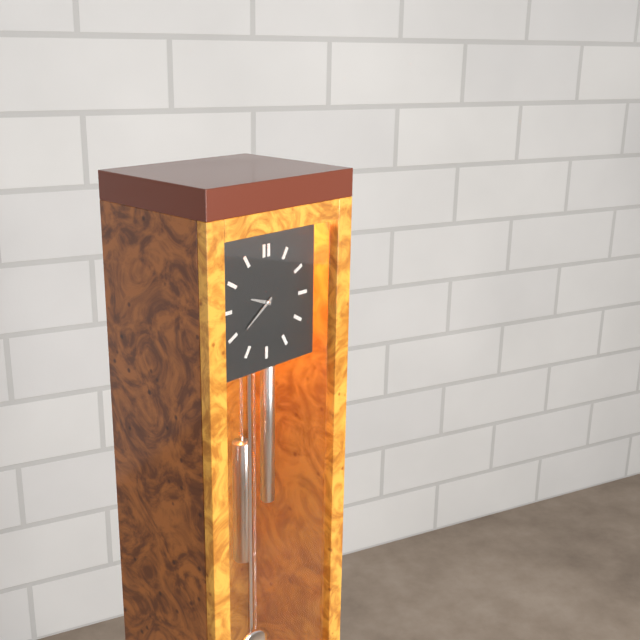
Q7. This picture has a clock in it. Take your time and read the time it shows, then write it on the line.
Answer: 9:39
